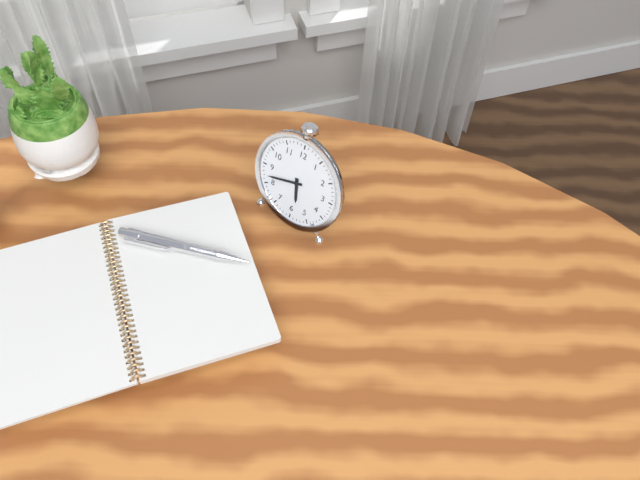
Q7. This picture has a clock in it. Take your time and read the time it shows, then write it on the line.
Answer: 5:42
